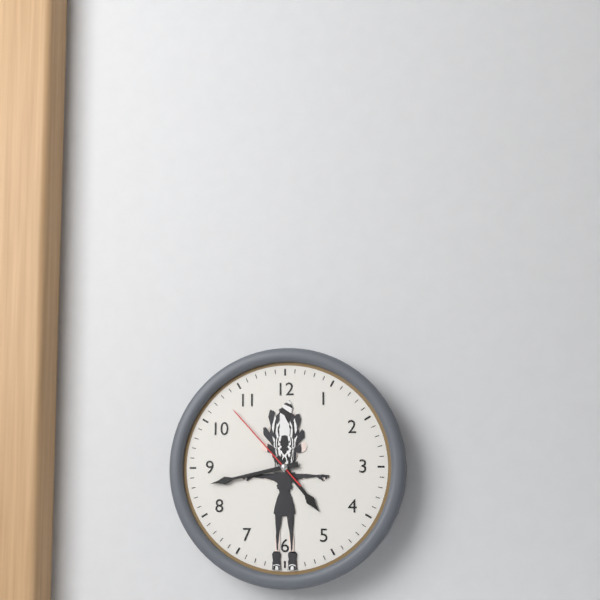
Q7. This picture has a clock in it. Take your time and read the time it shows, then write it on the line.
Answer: 4:43:53
